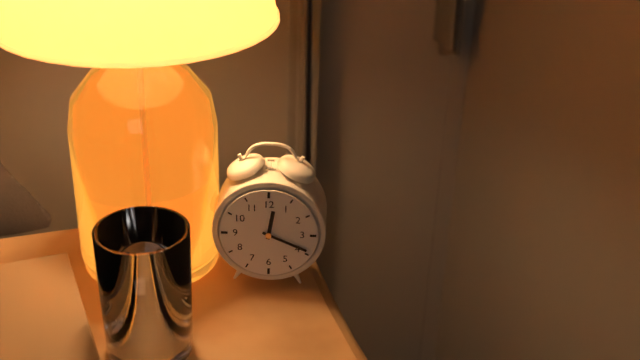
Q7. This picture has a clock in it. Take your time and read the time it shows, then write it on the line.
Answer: 12:19
